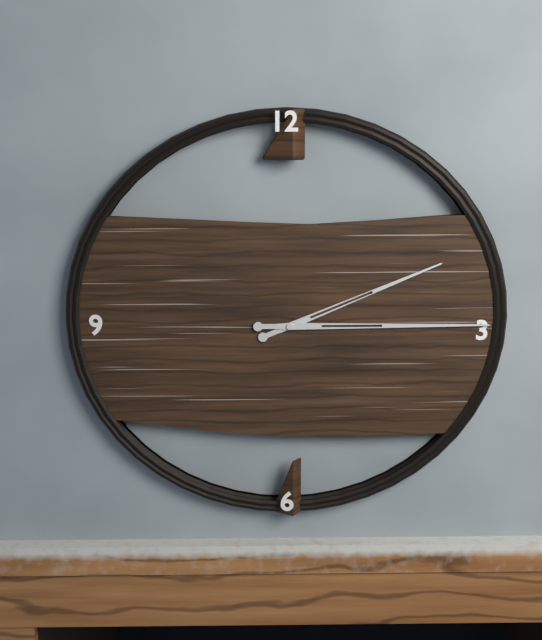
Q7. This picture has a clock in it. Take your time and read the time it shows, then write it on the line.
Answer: 2:15
